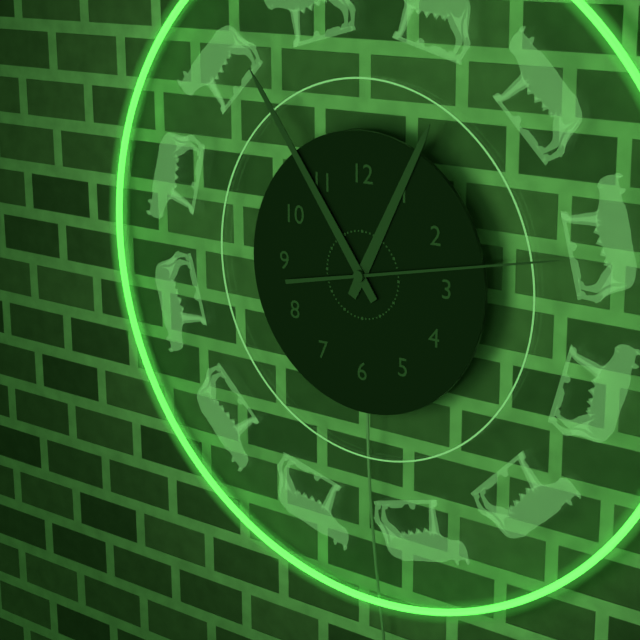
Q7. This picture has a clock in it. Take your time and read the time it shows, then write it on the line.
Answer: 12:54:13
